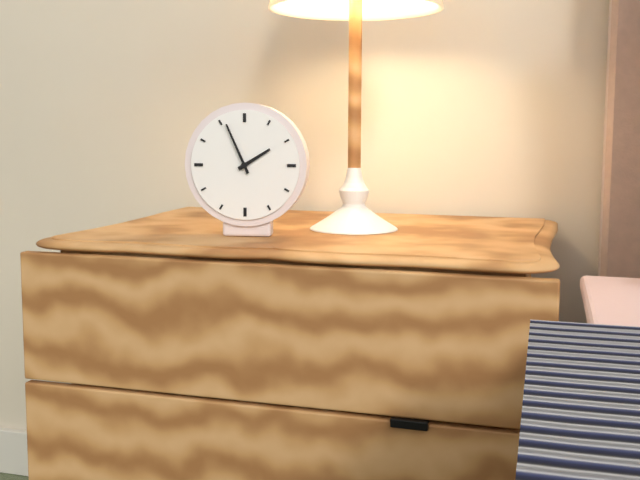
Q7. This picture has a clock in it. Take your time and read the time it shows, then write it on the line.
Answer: 1:56
